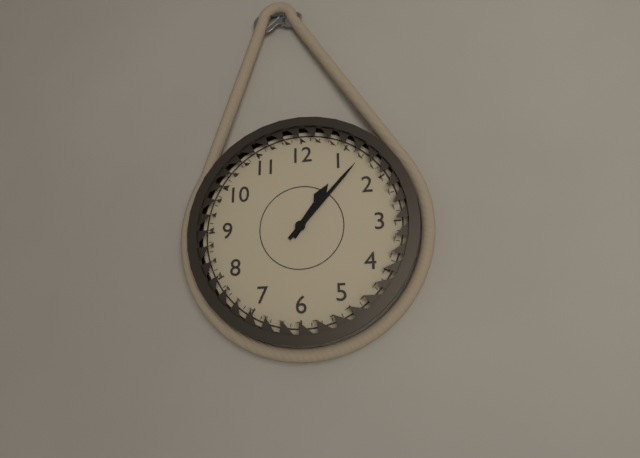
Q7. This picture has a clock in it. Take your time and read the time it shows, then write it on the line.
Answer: 1:07
